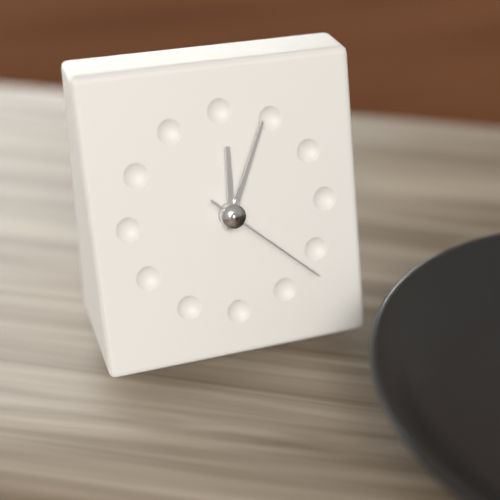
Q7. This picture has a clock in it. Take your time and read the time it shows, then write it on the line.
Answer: 12:04:22
